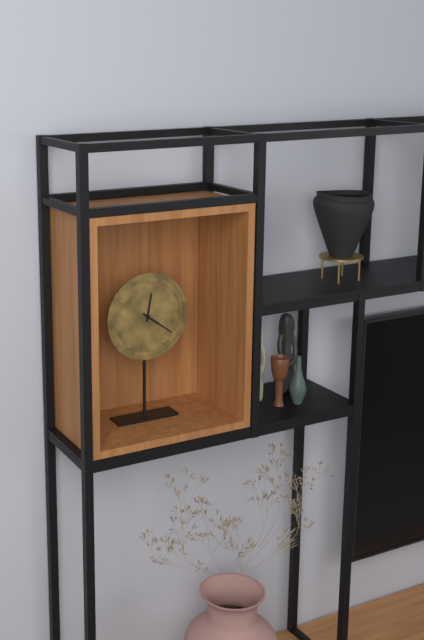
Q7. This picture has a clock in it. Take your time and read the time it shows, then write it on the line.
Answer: 12:21
